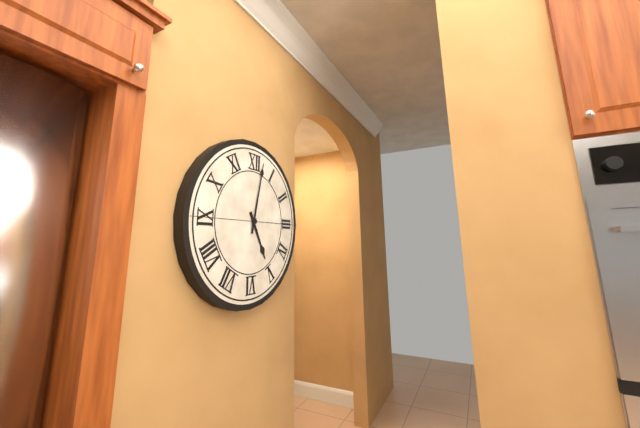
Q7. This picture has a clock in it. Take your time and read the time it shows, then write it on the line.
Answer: 5:02
